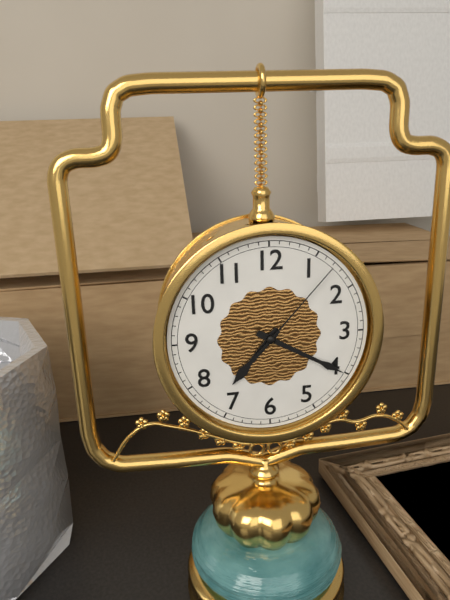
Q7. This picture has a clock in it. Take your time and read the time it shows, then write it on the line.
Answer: 7:20:07
